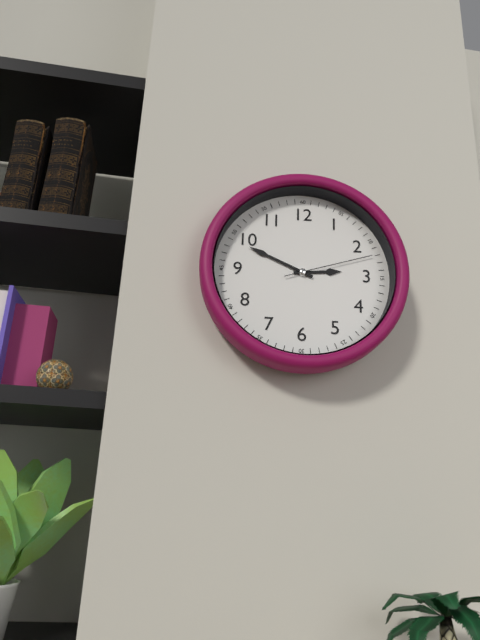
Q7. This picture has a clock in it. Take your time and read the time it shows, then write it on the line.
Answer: 2:49:12
